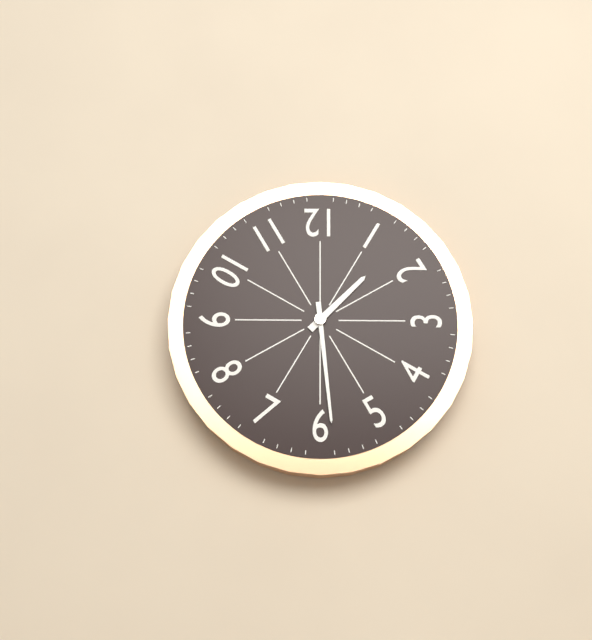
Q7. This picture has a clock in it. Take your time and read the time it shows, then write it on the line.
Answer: 1:29
